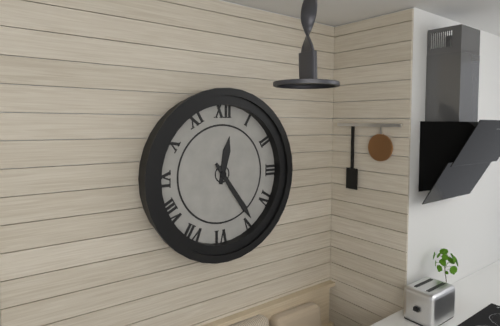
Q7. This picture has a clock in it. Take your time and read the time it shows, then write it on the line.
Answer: 12:24
